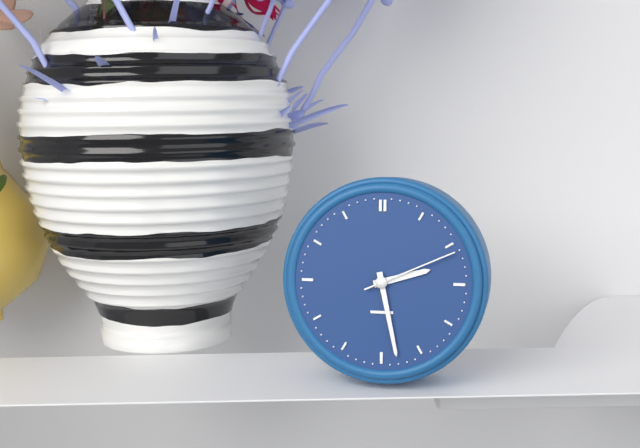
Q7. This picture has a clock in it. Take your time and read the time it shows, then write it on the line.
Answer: 2:28:11
